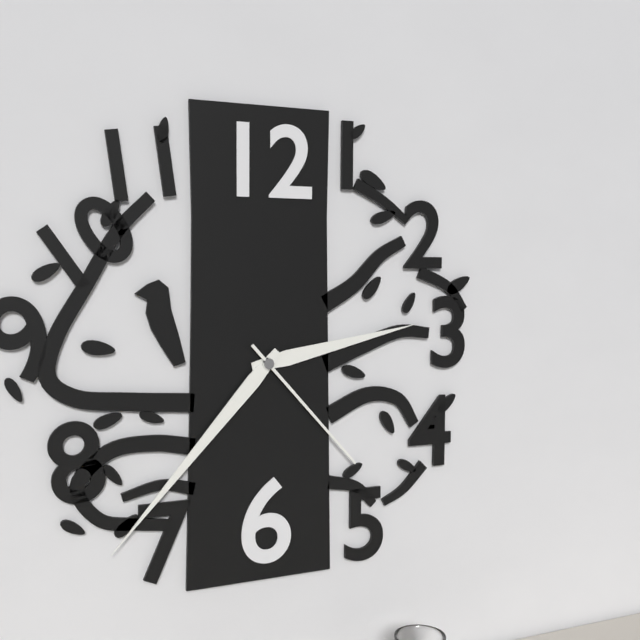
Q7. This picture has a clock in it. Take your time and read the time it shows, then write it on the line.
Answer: 2:37:23
